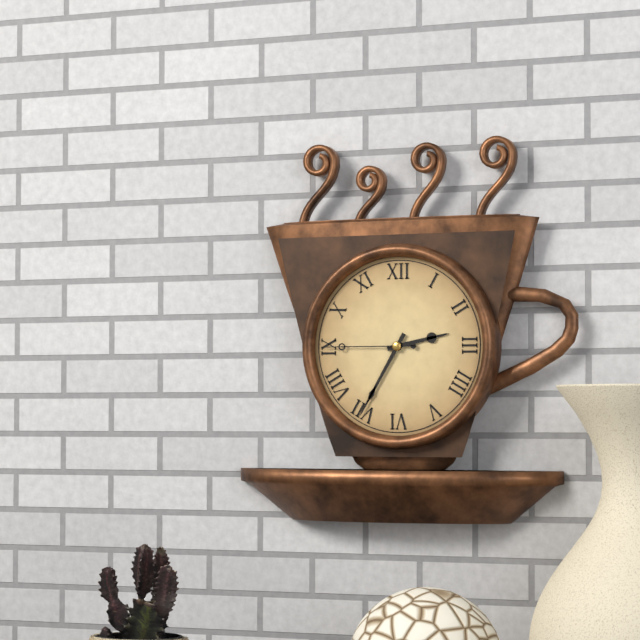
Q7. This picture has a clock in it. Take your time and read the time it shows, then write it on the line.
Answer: 2:35:45
